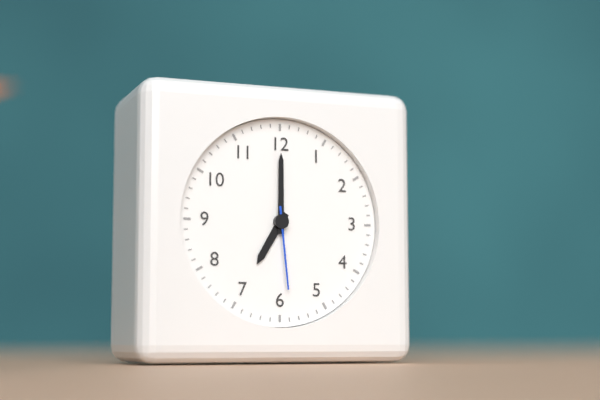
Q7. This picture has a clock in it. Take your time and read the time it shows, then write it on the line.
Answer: 7:00:29
